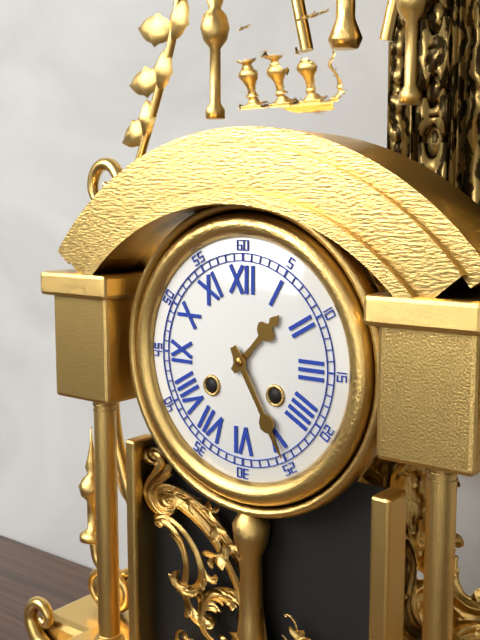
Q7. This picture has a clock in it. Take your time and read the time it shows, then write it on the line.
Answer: 1:25
